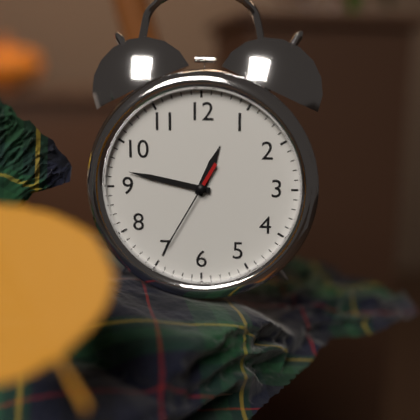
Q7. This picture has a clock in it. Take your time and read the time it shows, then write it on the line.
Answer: 12:47:35
